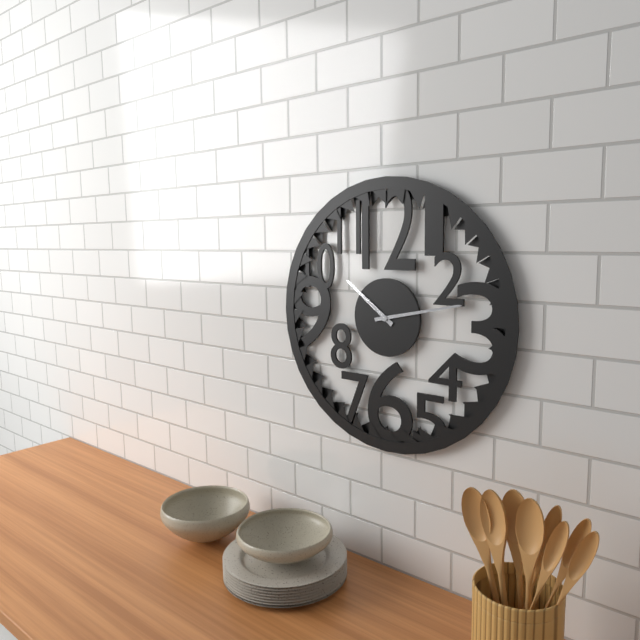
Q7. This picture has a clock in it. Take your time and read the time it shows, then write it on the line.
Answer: 10:13
